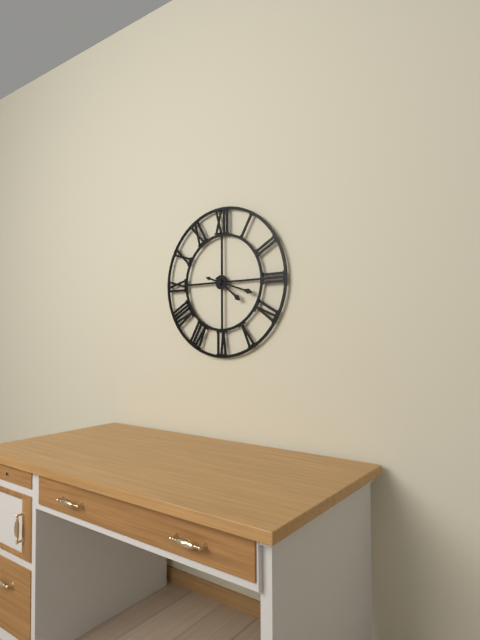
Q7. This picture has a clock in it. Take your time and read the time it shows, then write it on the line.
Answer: 4:18
